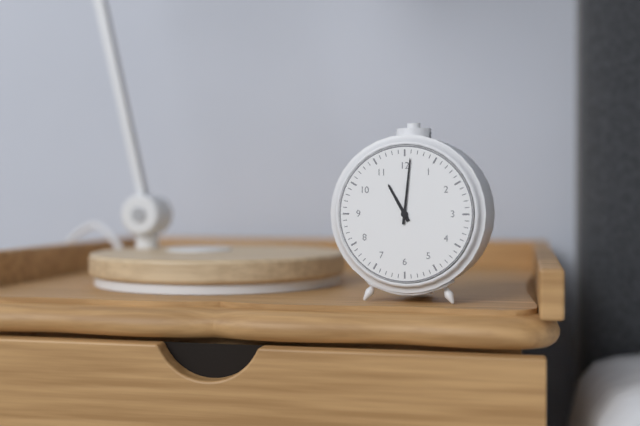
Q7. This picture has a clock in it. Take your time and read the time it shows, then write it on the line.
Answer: 11:01
